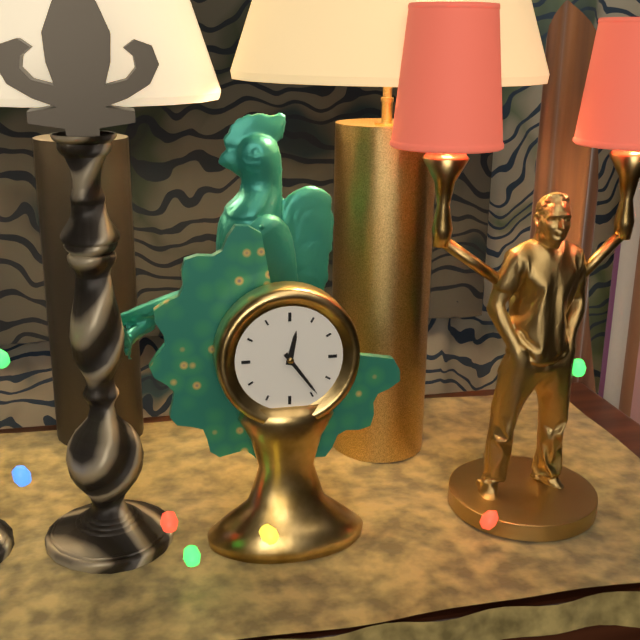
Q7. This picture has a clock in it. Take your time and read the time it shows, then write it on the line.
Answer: 12:24
